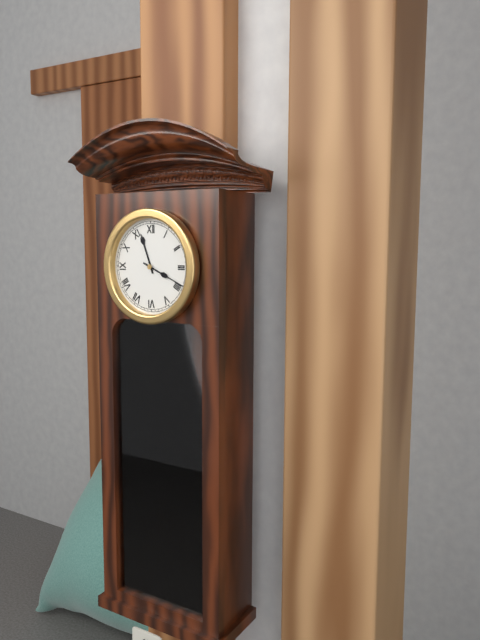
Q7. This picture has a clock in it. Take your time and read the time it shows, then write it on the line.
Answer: 11:19
